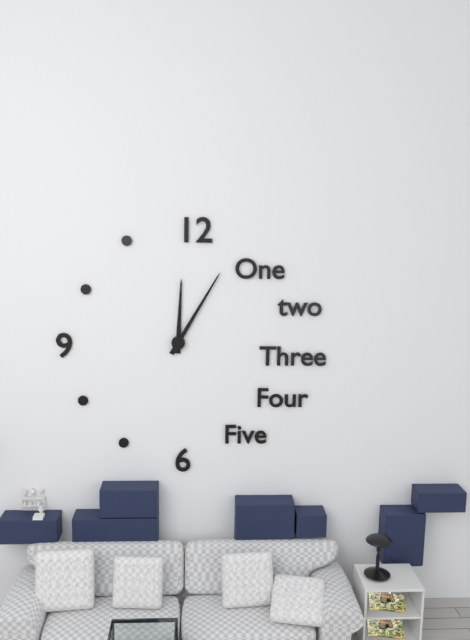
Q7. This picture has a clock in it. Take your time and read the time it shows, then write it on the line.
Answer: 12:05
